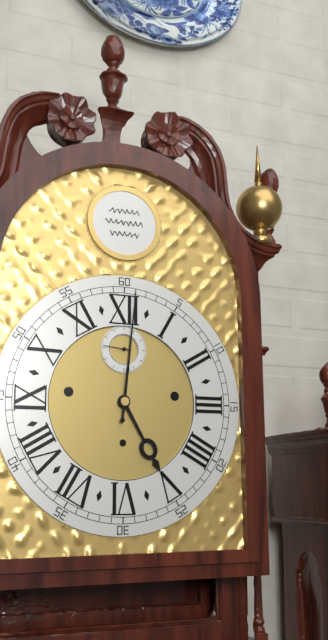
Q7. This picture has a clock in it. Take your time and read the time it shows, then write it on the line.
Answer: 5:01
